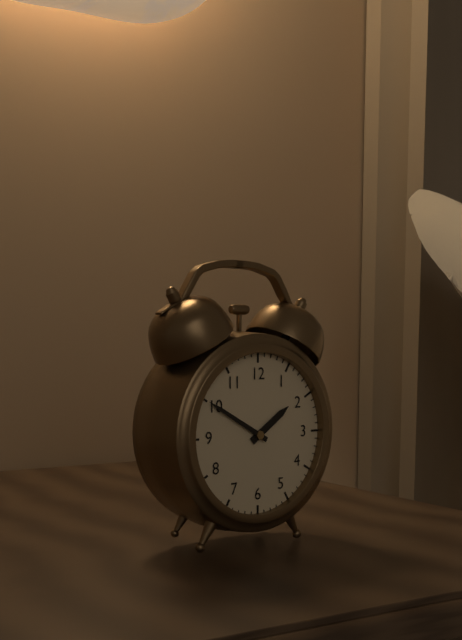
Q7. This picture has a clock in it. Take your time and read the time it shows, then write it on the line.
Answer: 1:50
